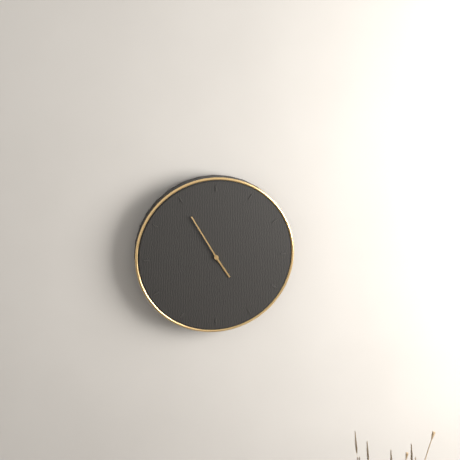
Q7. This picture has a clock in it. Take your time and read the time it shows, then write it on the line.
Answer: 4:55
